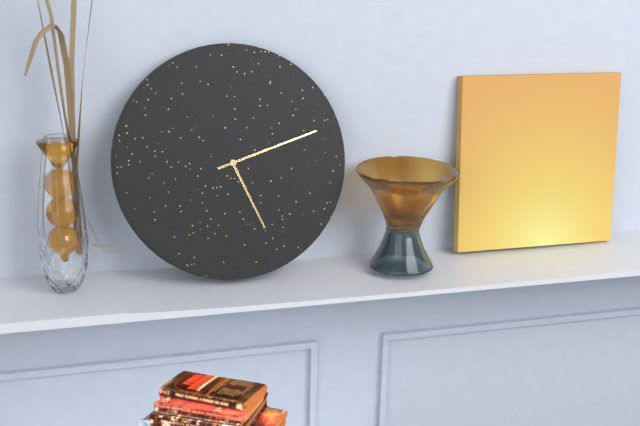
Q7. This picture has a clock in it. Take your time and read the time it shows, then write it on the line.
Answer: 5:12
